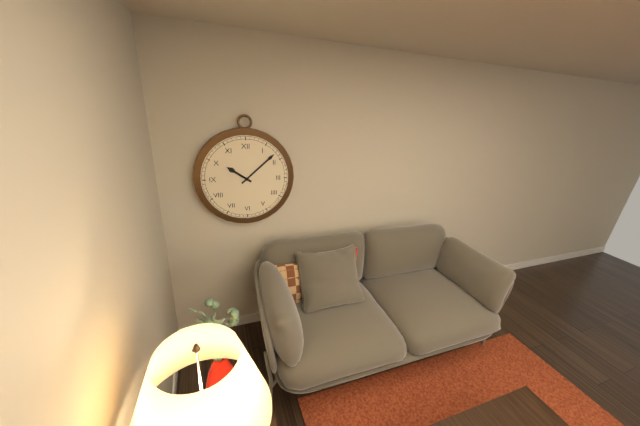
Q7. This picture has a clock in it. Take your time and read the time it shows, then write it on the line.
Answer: 10:08
